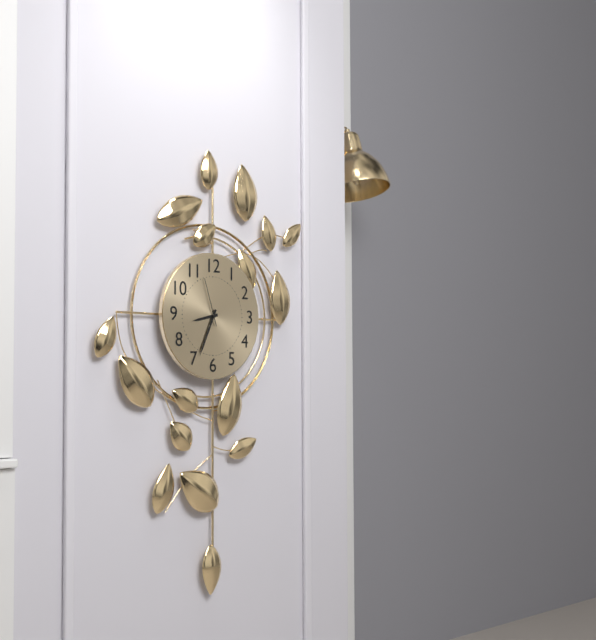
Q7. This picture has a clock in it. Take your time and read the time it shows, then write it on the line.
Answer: 8:34
